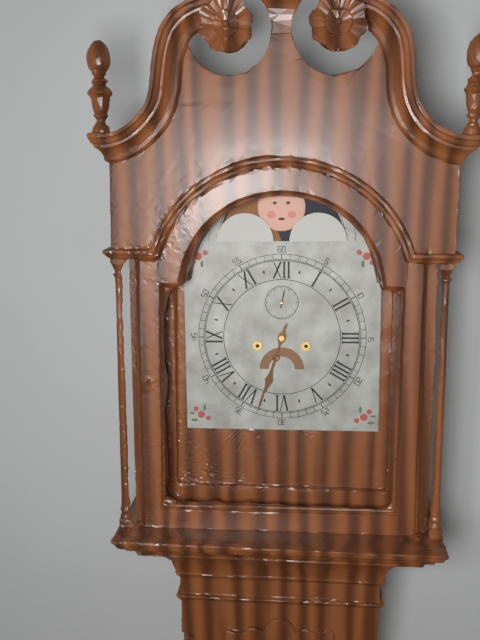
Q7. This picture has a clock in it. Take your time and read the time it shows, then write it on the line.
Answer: 6:33
